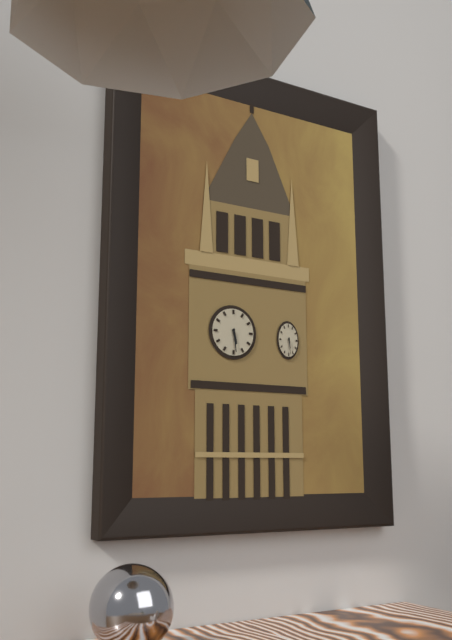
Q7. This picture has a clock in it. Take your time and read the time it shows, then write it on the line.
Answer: 5:29
